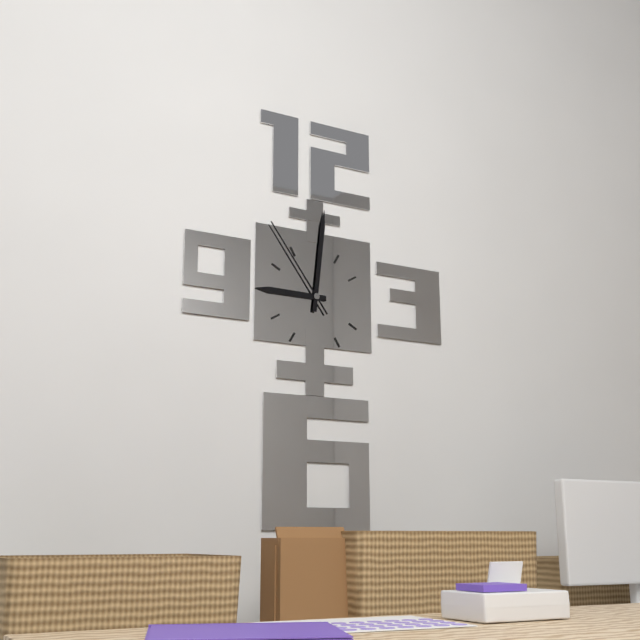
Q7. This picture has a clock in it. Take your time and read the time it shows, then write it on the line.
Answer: 9:01:54
